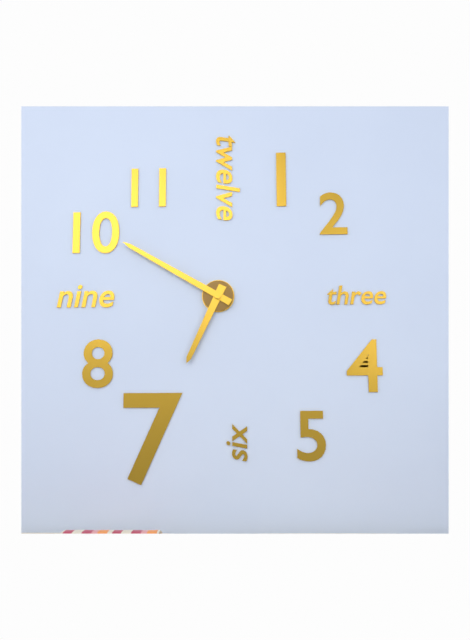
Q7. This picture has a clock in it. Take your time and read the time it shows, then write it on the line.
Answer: 6:50
